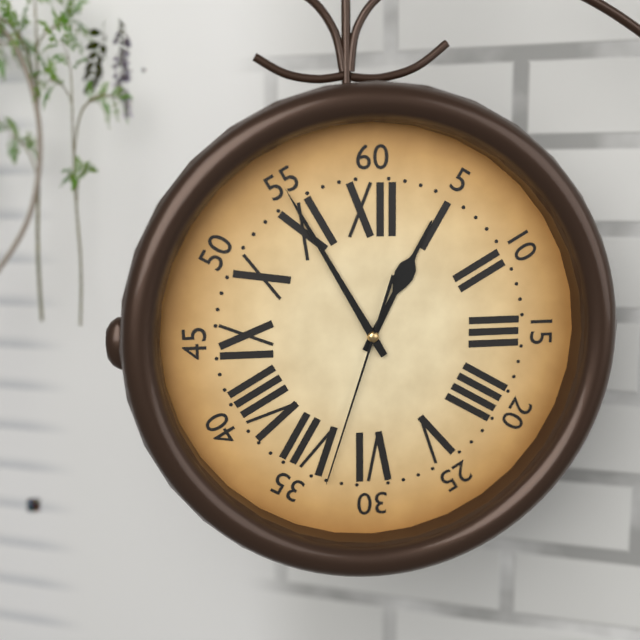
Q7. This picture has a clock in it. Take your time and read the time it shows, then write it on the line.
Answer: 12:55:33
